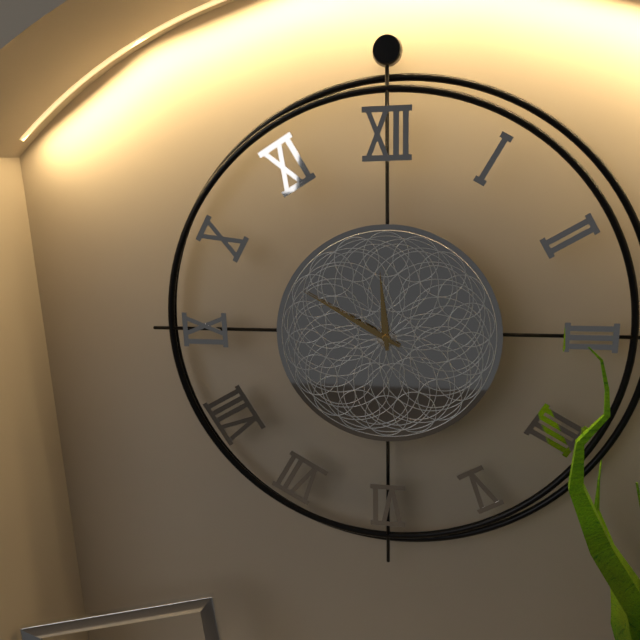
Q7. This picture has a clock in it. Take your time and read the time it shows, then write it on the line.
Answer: 11:50
